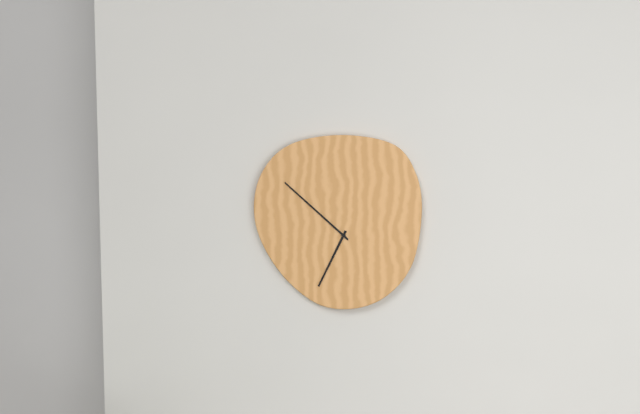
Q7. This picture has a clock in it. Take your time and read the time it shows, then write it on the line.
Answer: 6:52
